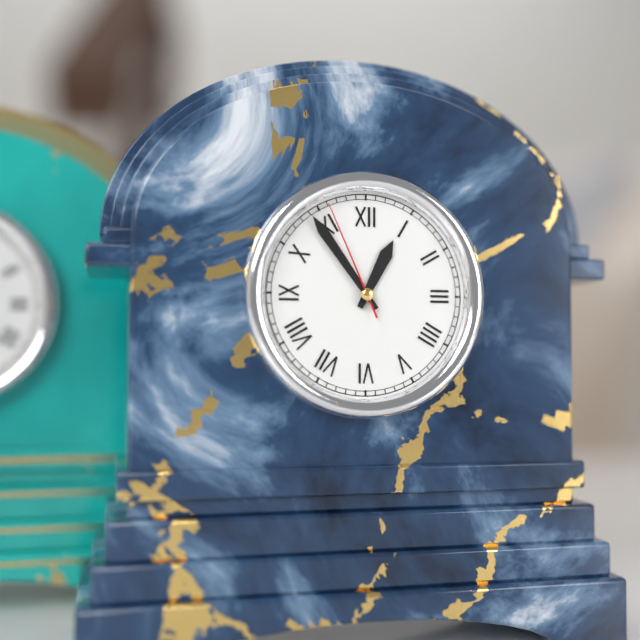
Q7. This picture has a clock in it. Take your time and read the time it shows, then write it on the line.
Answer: 12:54:56
